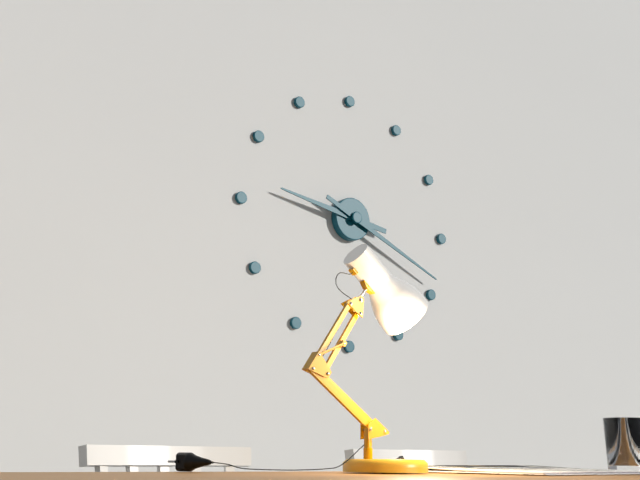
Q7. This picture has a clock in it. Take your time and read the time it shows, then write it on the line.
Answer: 9:19
